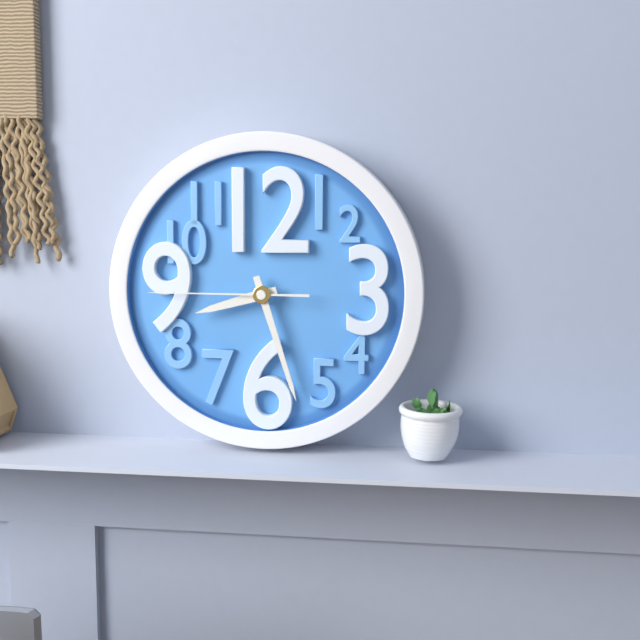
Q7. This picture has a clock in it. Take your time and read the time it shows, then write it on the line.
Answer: 8:27:45
